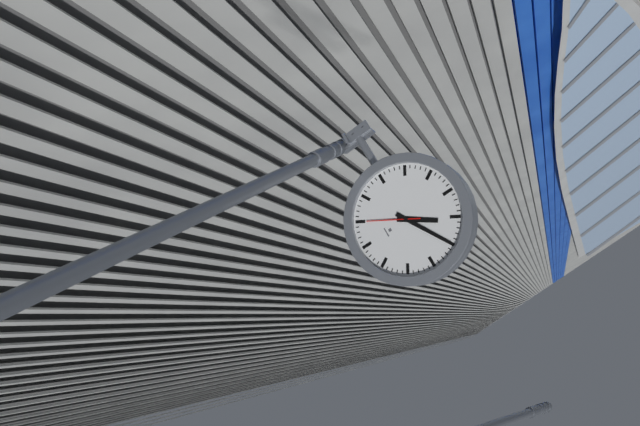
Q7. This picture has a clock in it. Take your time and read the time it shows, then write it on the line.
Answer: 1:10:35
